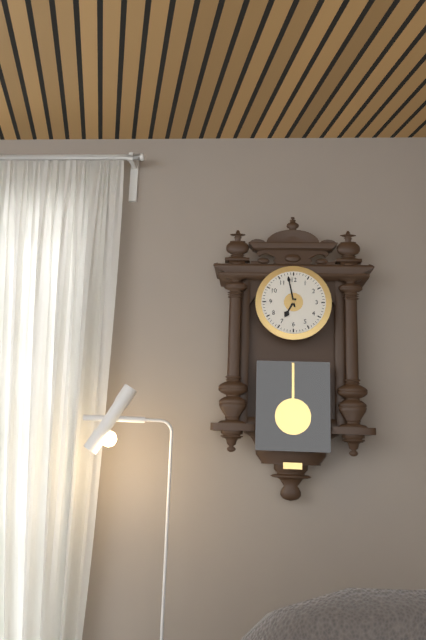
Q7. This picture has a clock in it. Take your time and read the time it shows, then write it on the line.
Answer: 6:58
